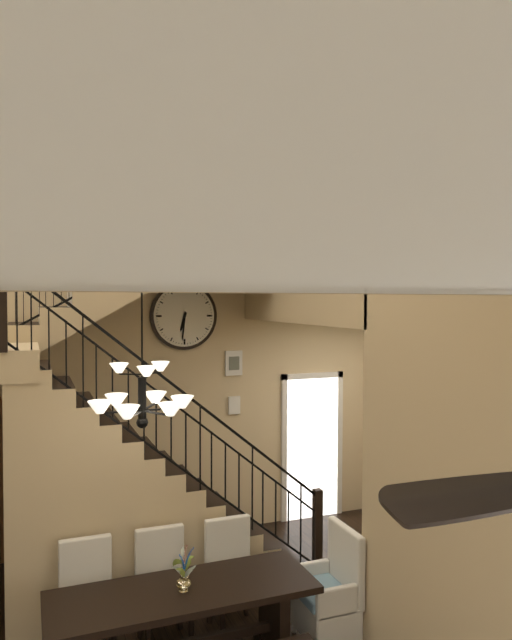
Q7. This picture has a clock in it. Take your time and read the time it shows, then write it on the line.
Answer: 6:31
